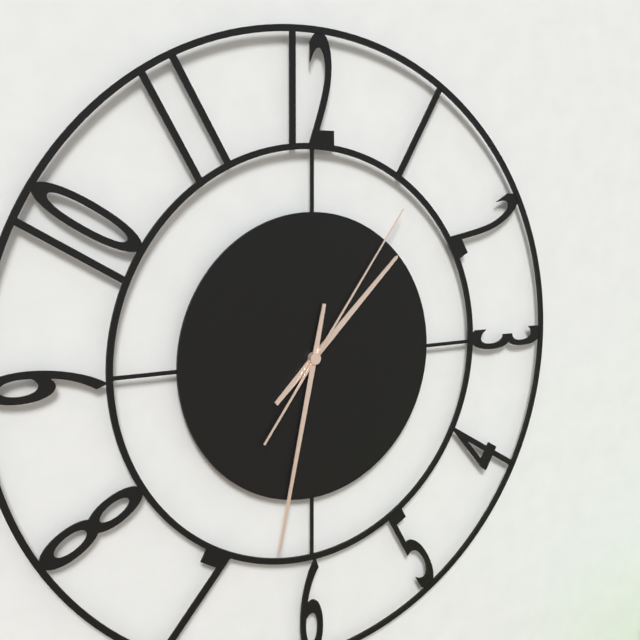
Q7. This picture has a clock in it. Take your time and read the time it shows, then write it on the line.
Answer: 1:32:06
